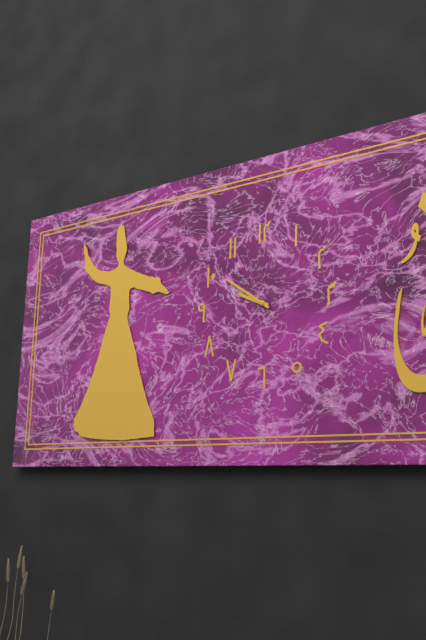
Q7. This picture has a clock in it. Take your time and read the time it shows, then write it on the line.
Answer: 9:51
